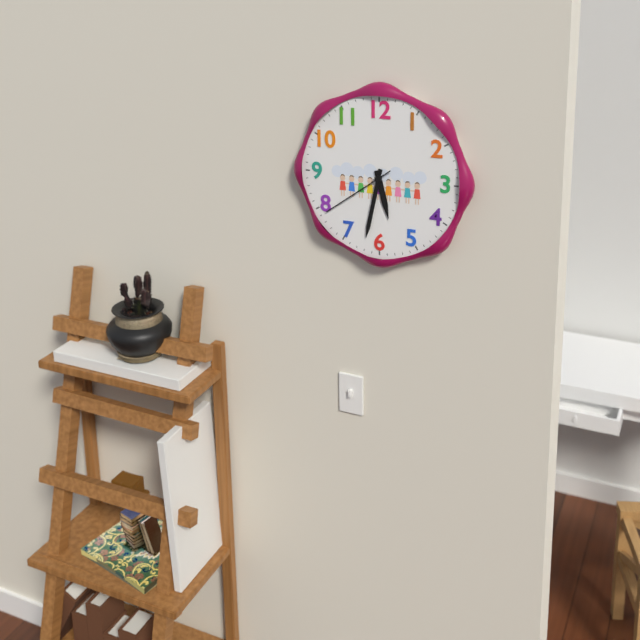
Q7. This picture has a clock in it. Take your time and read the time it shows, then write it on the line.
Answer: 5:32:39
